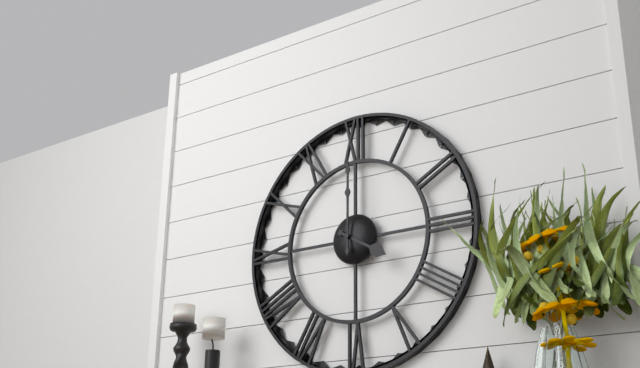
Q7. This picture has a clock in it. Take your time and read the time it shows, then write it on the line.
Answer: 4:00
